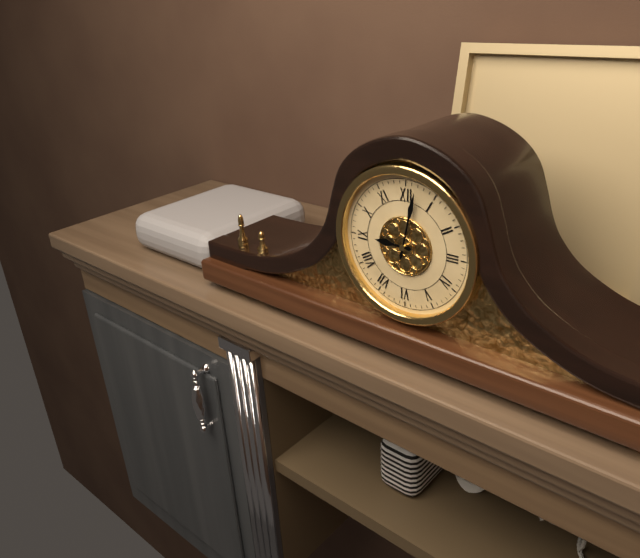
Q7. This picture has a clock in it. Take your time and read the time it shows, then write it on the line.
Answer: 9:02
